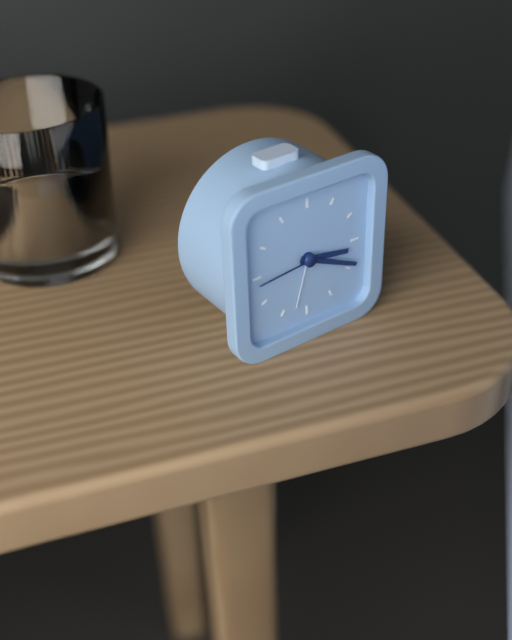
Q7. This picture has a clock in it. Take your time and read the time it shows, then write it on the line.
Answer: 3:19:44
